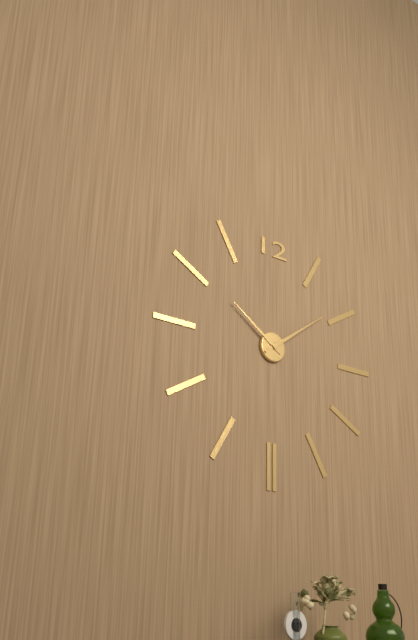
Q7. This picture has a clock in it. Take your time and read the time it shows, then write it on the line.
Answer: 10:09
